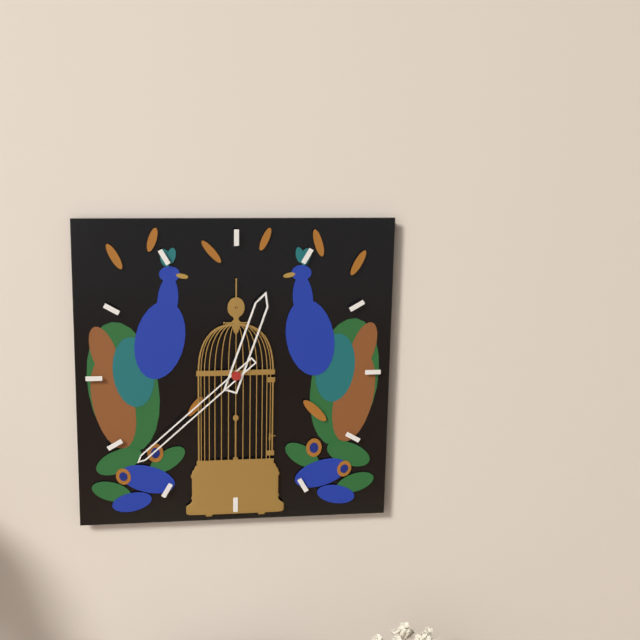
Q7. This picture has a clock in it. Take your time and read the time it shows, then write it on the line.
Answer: 12:38
